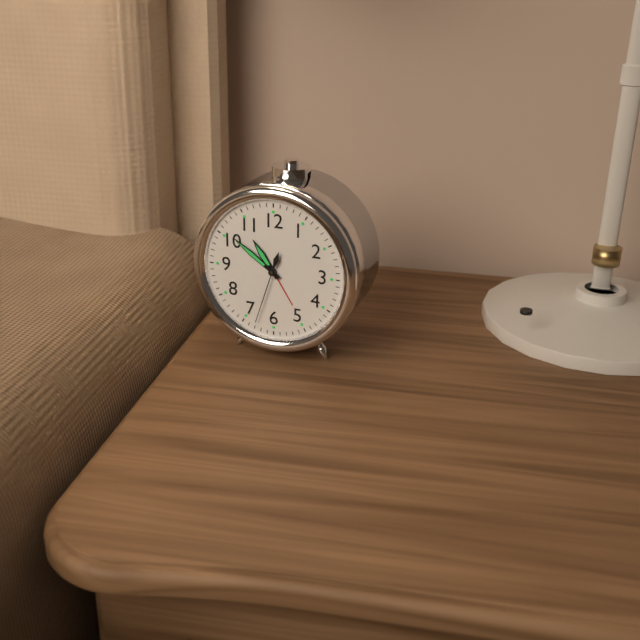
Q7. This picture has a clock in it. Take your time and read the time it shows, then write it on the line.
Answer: 10:51:33
